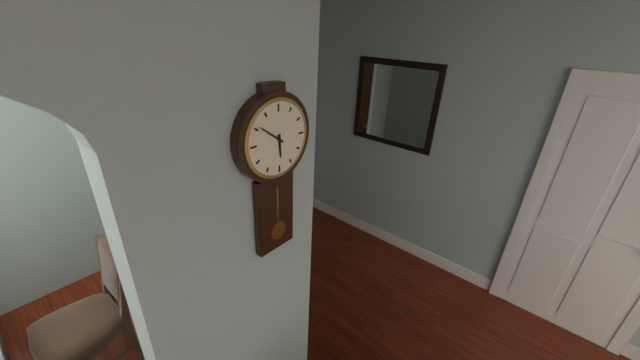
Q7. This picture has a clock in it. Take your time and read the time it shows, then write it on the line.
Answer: 5:51
